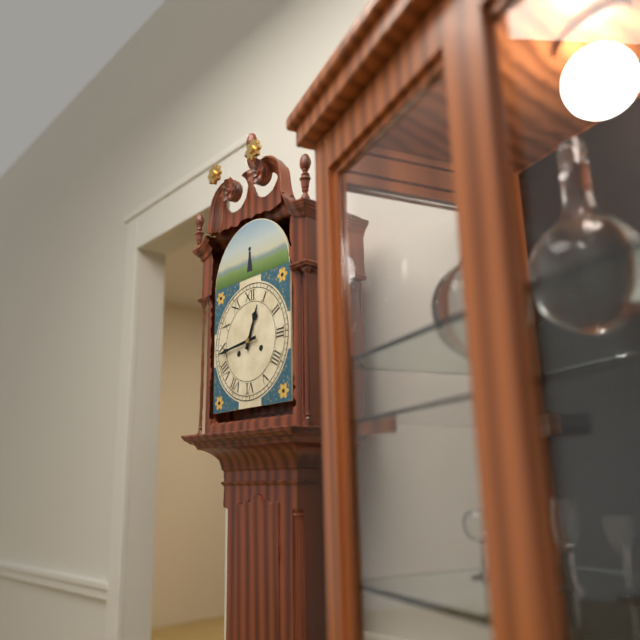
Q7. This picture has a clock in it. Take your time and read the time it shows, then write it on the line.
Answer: 12:44
